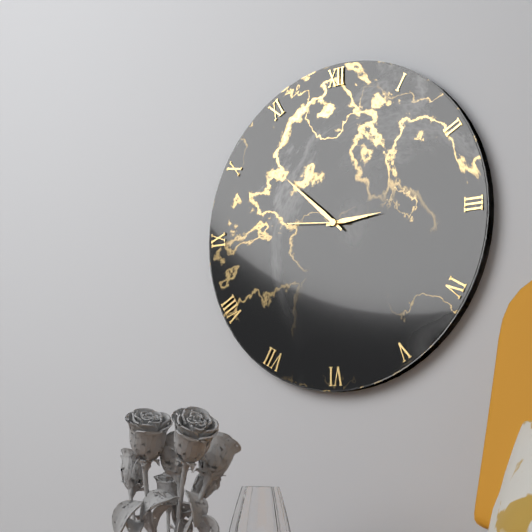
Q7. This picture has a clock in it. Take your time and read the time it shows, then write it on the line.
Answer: 2:52:46
